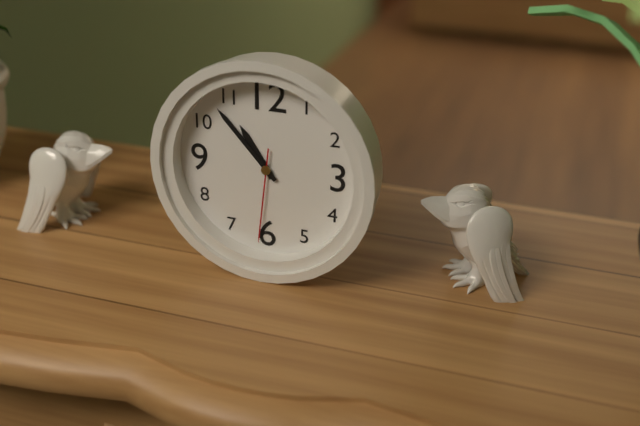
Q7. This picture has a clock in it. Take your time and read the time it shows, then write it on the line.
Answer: 10:53:31
